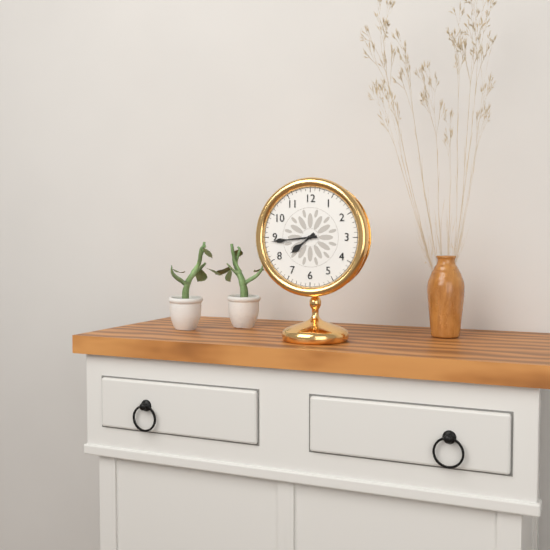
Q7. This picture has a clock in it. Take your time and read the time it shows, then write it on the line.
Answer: 7:44
